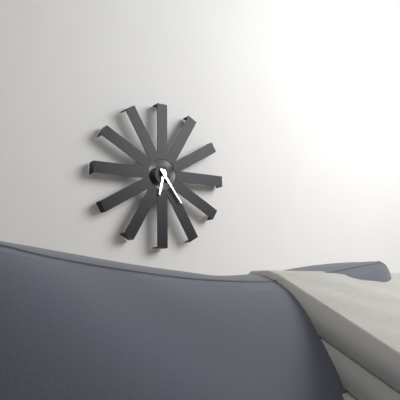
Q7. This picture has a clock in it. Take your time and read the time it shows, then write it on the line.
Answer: 6:24
